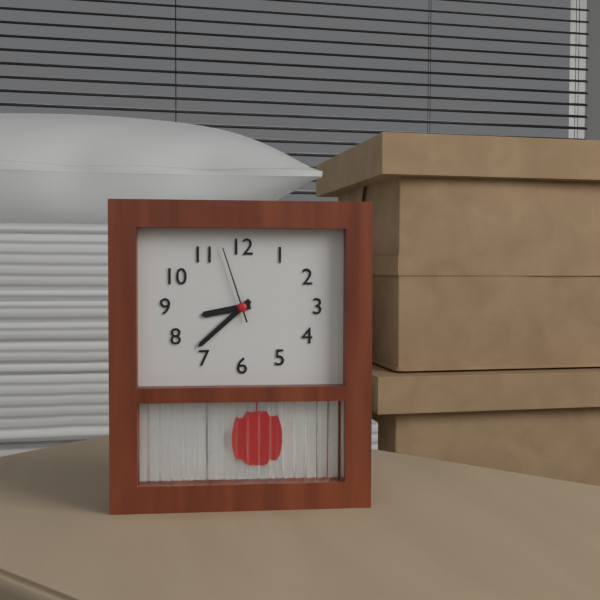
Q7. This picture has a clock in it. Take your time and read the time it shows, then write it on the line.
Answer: 8:38:57
